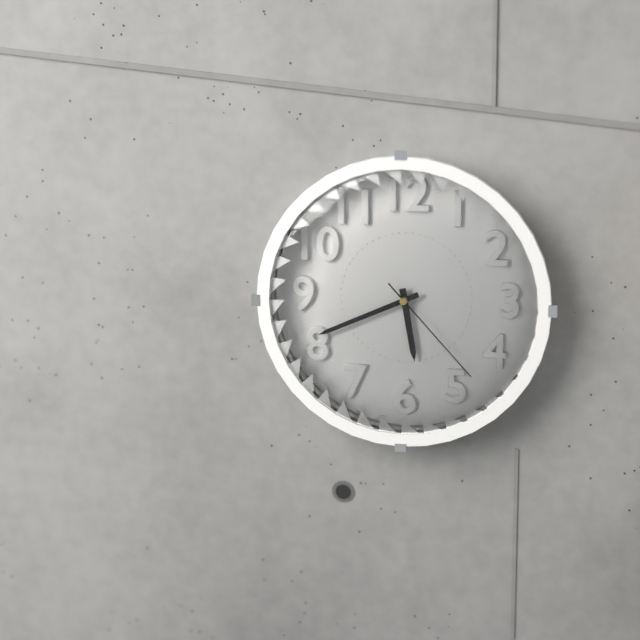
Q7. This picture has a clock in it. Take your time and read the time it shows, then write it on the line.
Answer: 5:41:23
